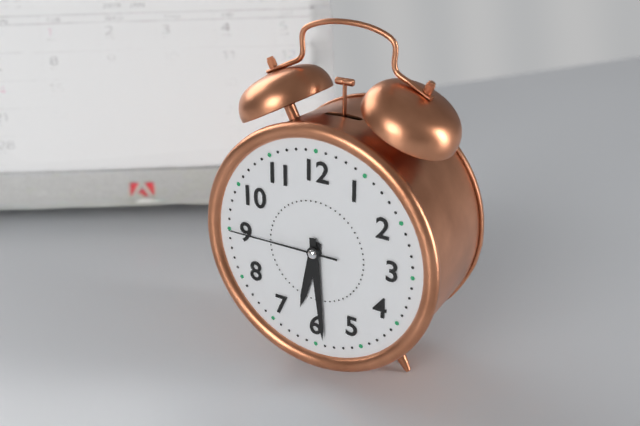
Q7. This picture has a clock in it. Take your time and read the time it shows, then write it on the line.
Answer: 6:29:45
